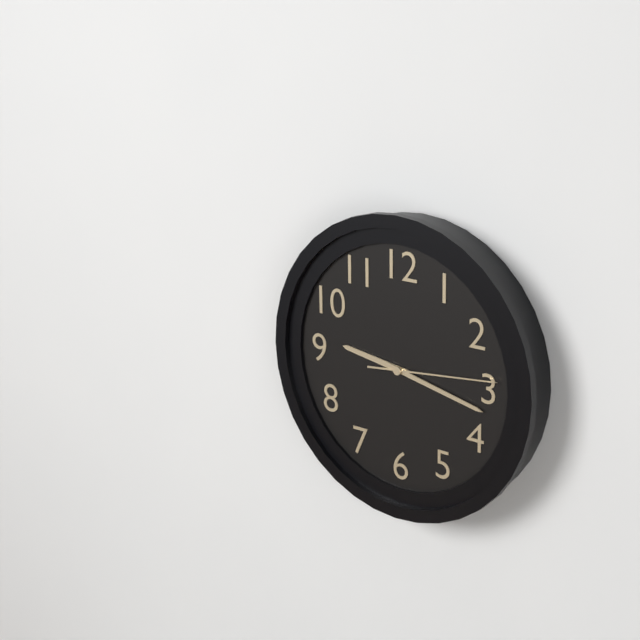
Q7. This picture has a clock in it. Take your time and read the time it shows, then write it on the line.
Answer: 9:17:14
